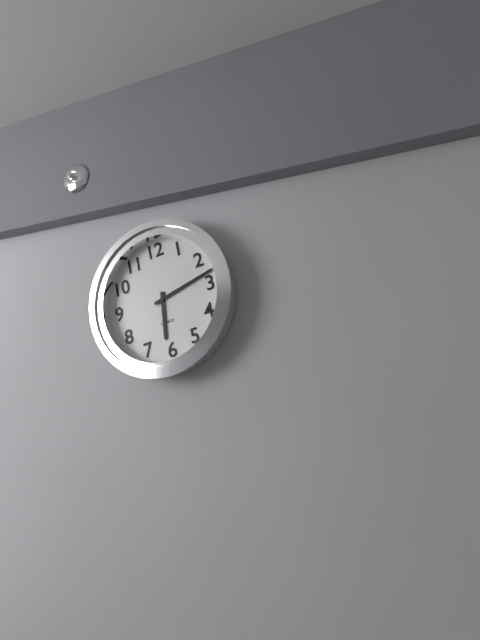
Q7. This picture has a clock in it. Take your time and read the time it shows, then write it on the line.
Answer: 6:13
